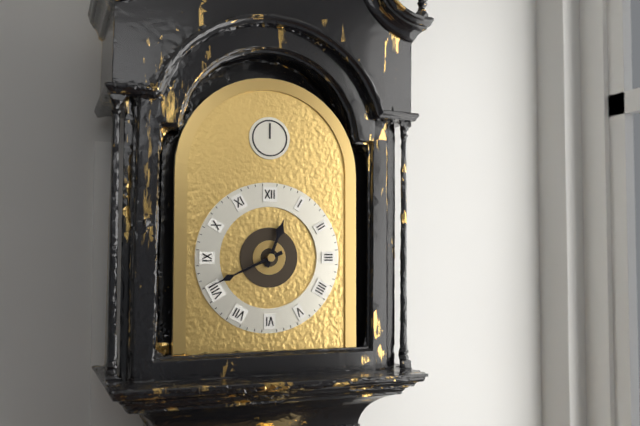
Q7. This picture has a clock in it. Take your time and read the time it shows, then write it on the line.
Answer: 12:41
